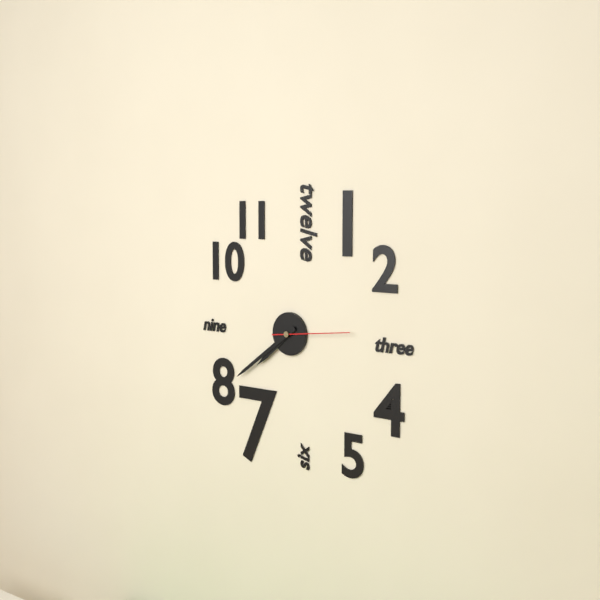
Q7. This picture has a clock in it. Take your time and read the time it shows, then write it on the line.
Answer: 7:39:14
